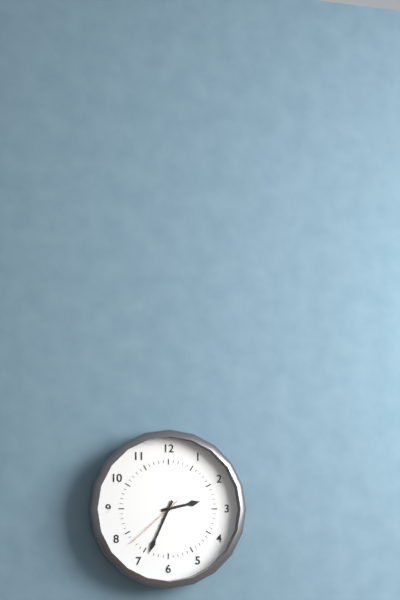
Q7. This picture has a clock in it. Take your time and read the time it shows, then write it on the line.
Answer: 2:34:38
